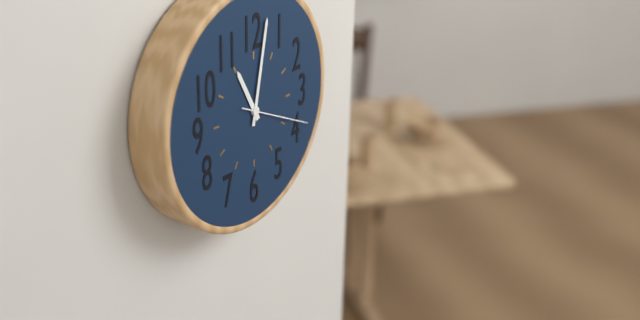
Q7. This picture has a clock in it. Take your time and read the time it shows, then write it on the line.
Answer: 11:02:19
